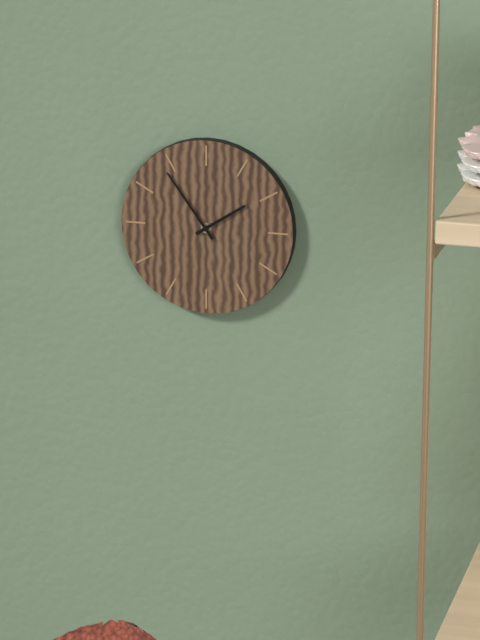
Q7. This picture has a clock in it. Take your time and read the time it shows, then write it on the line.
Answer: 1:54
